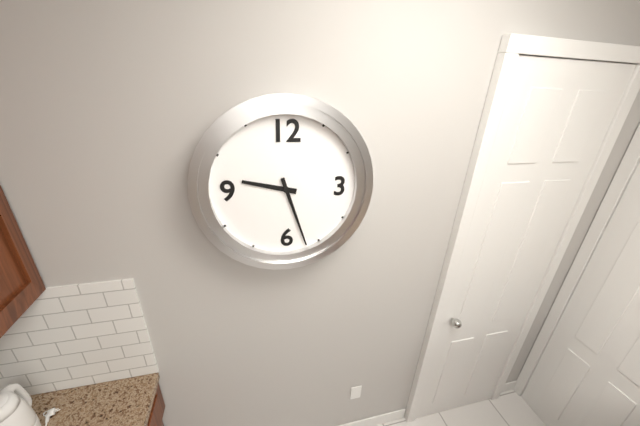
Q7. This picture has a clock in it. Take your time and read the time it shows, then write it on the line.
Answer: 9:27
